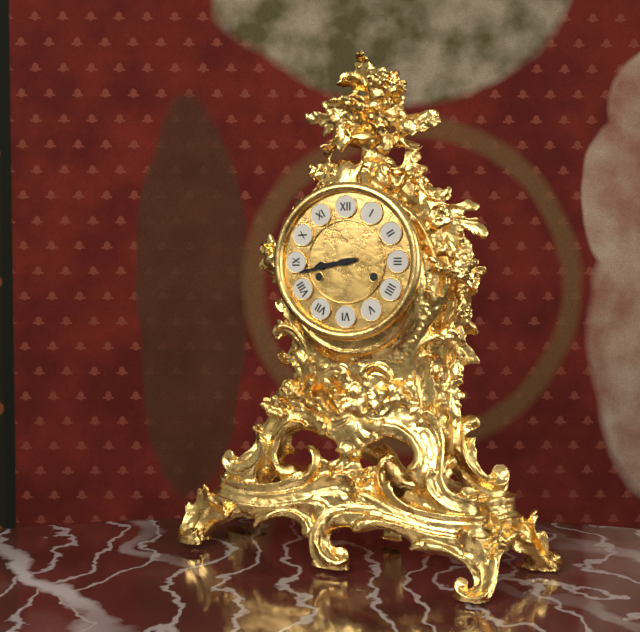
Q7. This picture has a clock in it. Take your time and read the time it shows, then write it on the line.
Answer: 8:43
